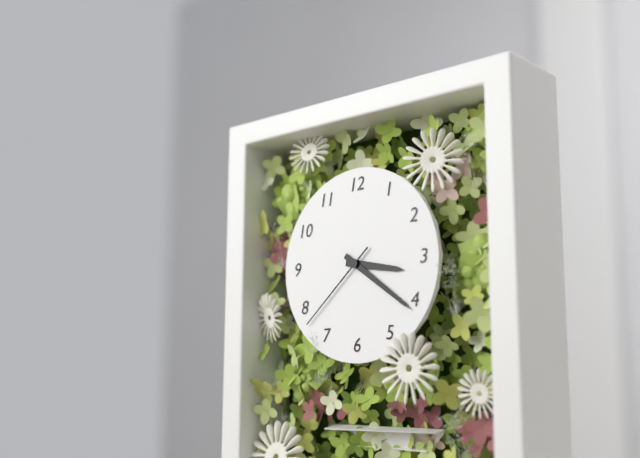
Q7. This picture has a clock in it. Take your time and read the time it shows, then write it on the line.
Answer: 3:21:38
